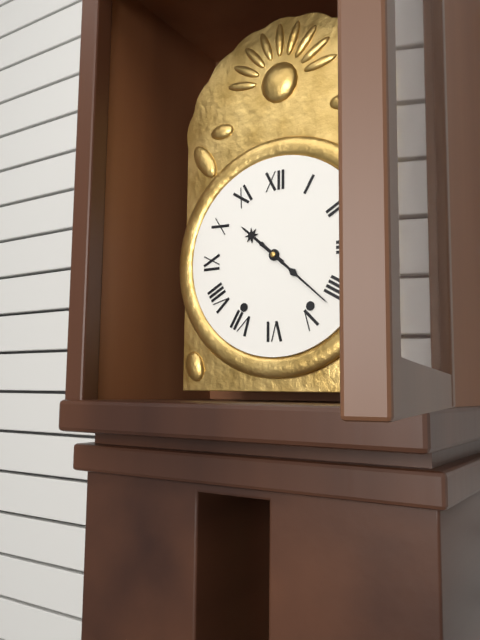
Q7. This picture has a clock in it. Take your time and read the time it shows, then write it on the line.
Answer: 10:22
